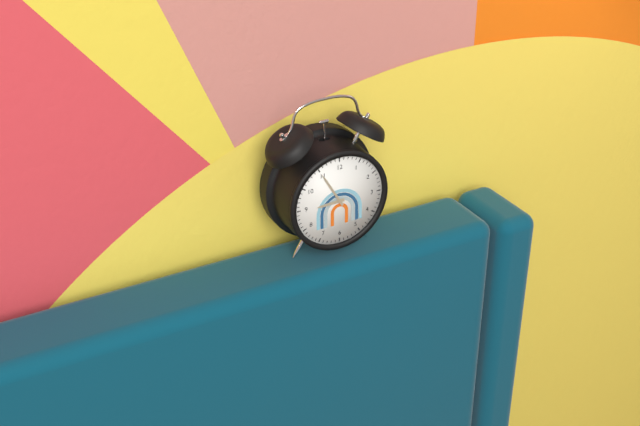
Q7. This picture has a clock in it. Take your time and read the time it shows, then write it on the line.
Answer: 8:55
